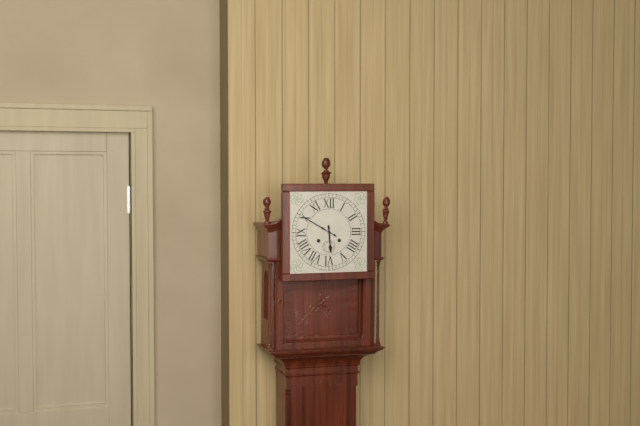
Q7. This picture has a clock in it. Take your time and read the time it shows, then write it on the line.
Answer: 5:50
